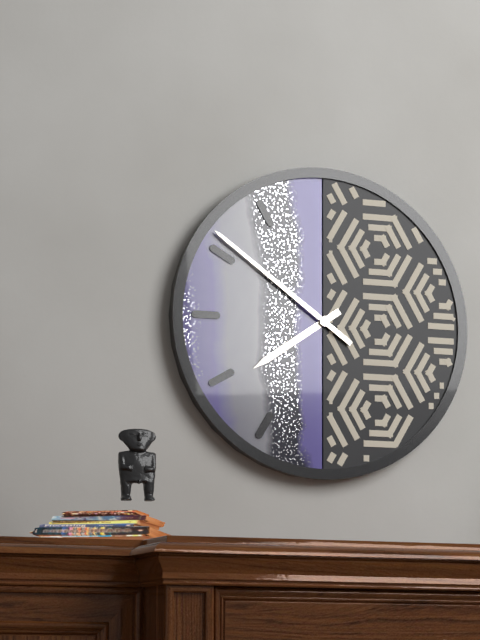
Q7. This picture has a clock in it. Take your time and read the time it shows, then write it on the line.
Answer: 7:51
